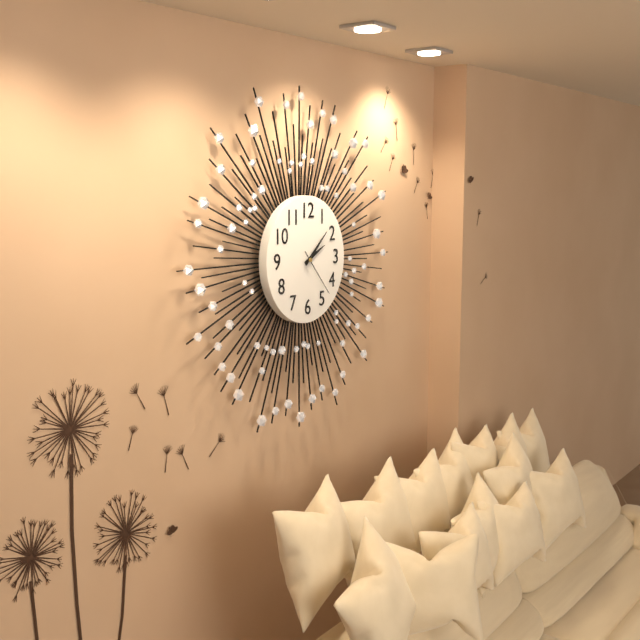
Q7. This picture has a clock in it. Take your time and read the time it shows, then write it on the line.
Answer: 2:08
